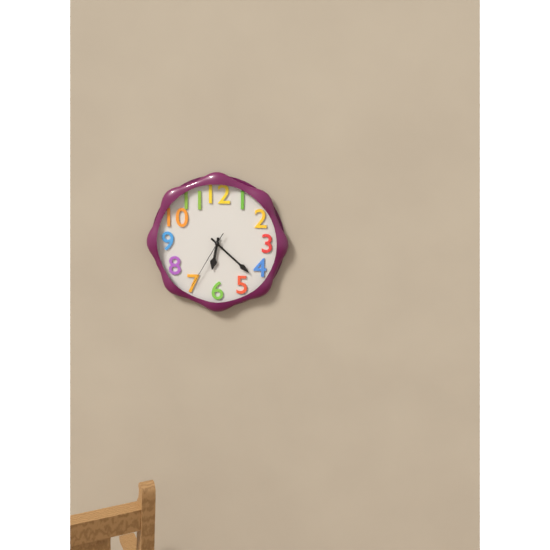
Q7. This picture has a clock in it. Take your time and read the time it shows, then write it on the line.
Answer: 6:22:35
